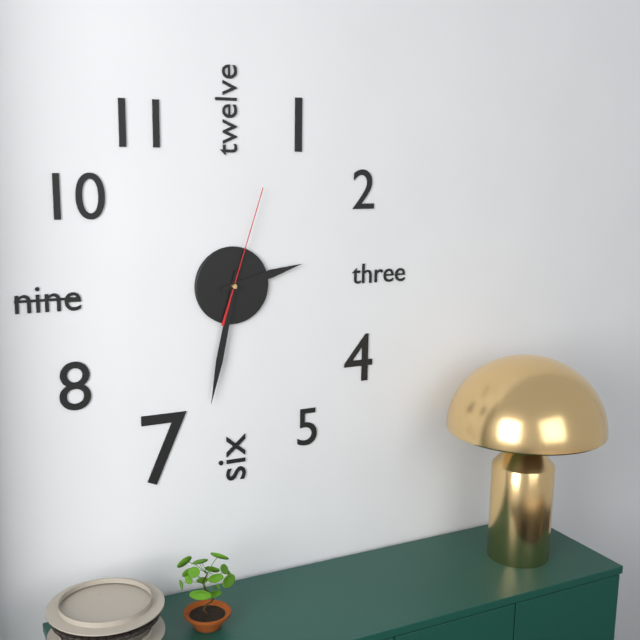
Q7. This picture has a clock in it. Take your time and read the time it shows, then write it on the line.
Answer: 2:32:03
